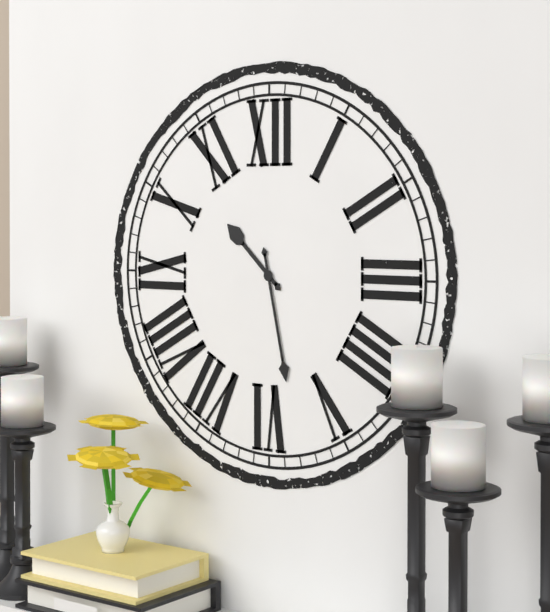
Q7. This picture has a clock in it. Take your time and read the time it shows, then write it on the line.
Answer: 10:28
